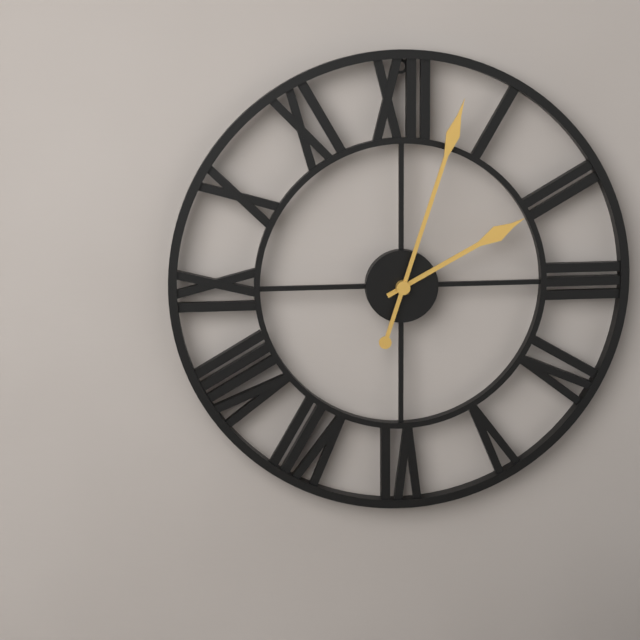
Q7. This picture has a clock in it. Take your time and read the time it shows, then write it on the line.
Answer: 2:03
